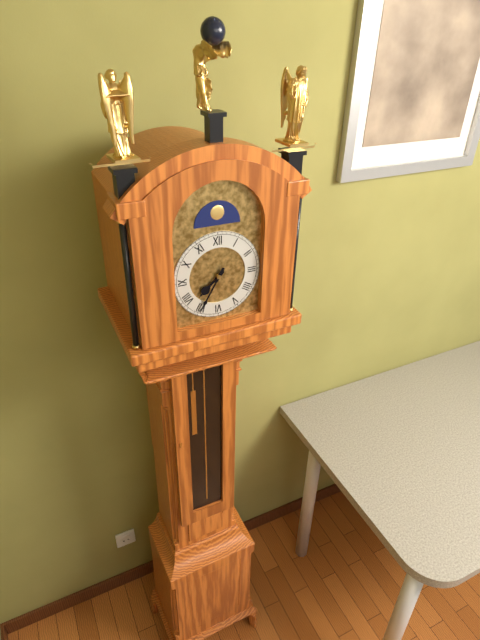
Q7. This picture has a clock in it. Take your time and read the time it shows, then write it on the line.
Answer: 7:35
